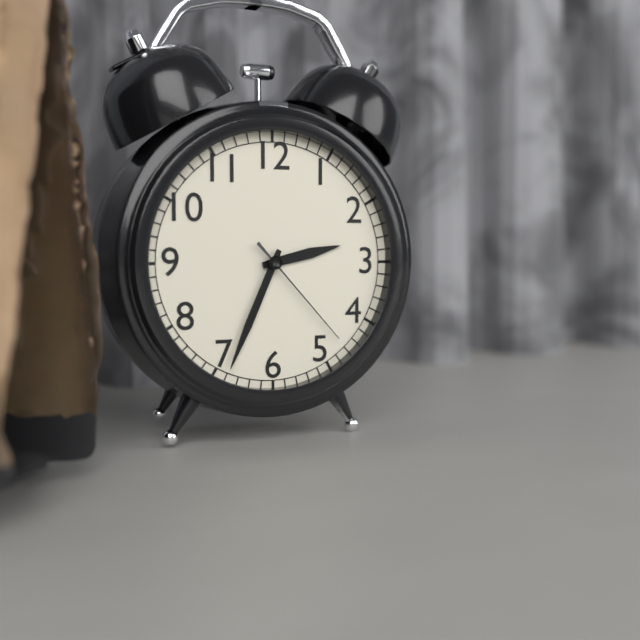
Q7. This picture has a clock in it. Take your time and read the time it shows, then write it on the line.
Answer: 2:34:23
